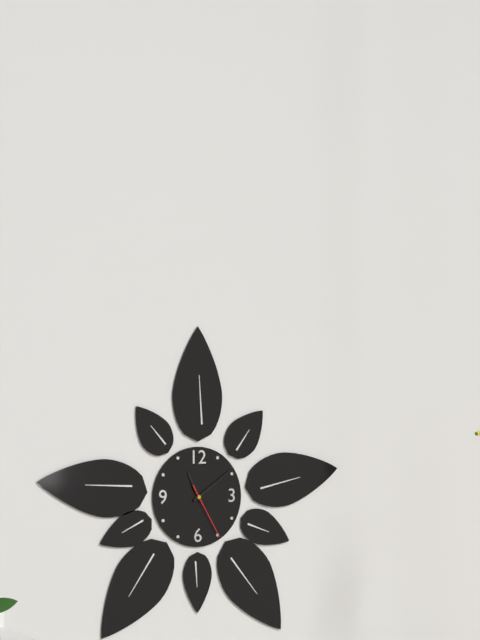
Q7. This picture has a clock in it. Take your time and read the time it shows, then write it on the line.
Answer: 11:09:25
